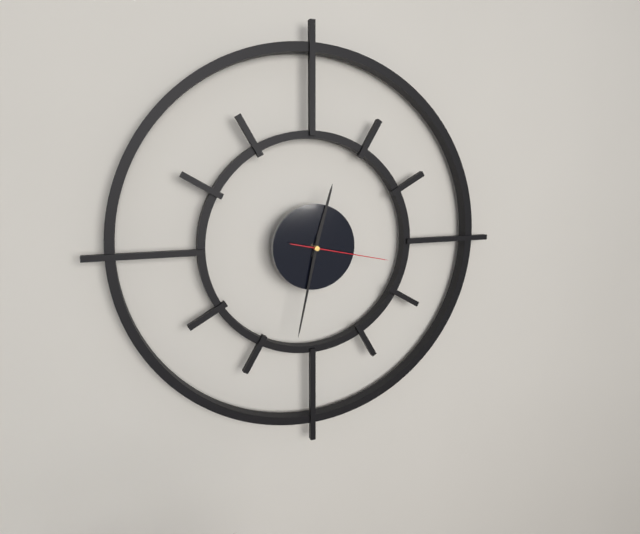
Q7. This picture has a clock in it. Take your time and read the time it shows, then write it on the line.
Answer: 12:32:17
